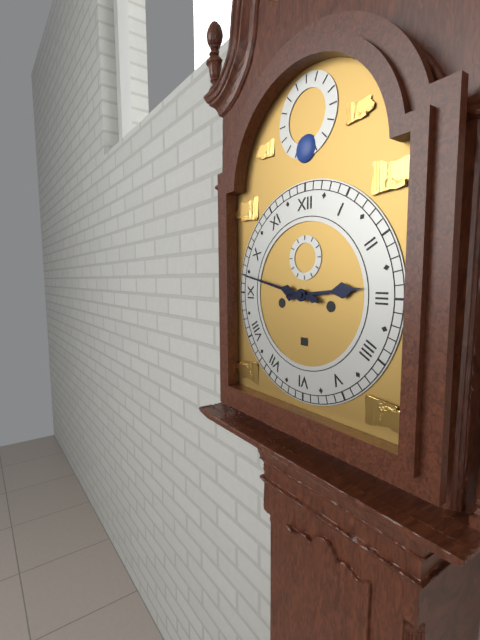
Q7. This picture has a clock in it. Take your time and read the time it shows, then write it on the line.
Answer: 2:47
